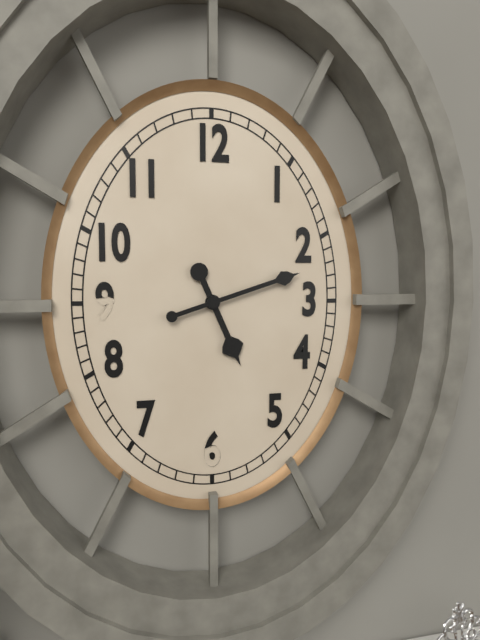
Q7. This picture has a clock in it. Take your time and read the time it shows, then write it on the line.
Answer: 5:12
